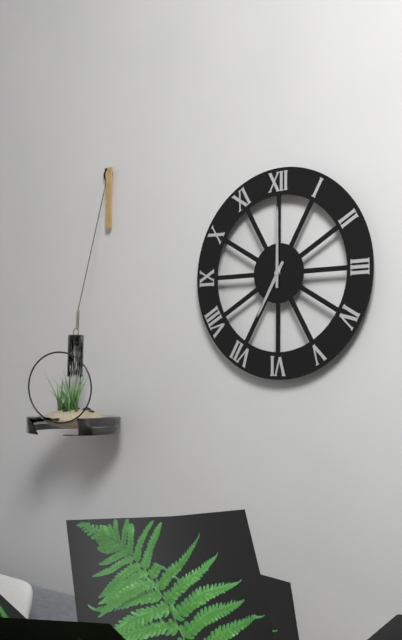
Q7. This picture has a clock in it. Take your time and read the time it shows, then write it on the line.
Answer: 7:00
